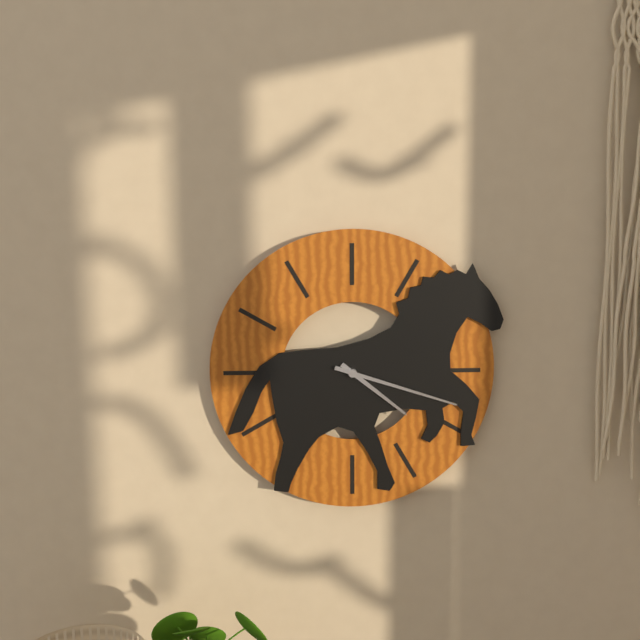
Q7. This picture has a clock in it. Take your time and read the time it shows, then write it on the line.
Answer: 4:18
